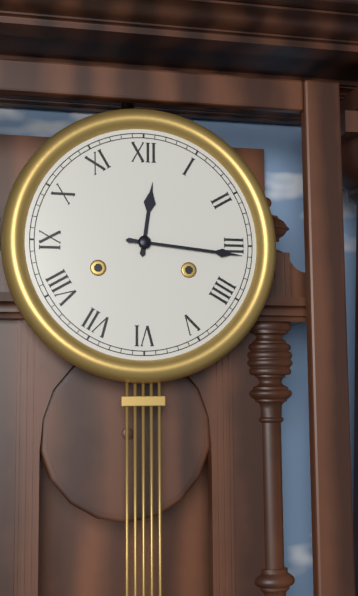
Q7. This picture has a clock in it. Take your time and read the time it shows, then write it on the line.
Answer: 12:16
